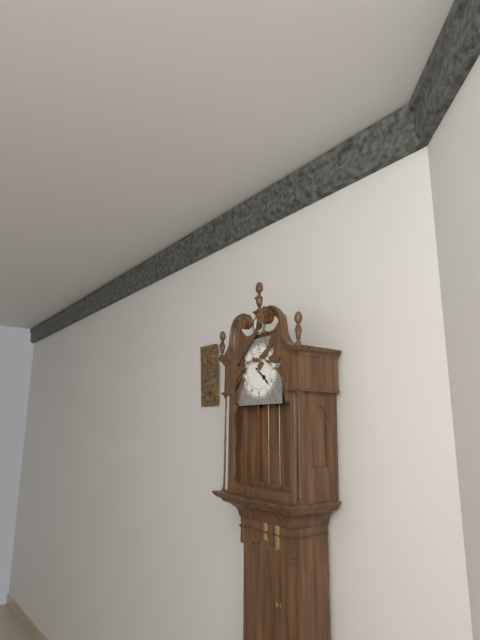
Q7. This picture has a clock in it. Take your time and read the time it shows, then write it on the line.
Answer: 4:22
